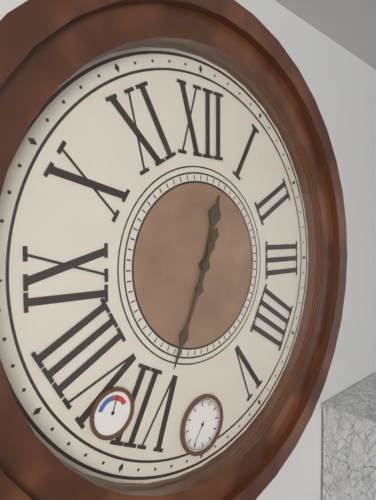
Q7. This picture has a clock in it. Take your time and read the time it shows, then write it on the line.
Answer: 12:34
